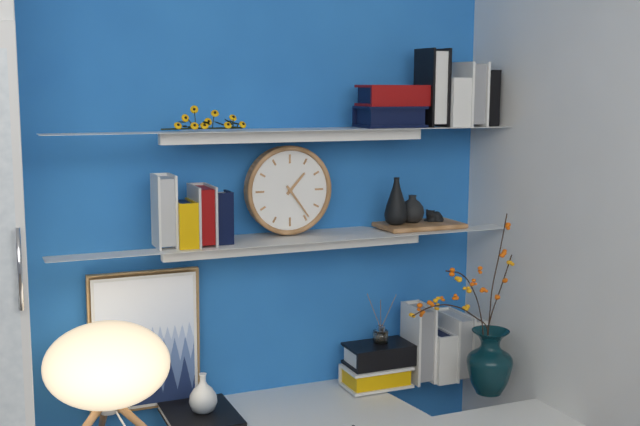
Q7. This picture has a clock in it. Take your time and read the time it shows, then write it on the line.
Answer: 1:24
